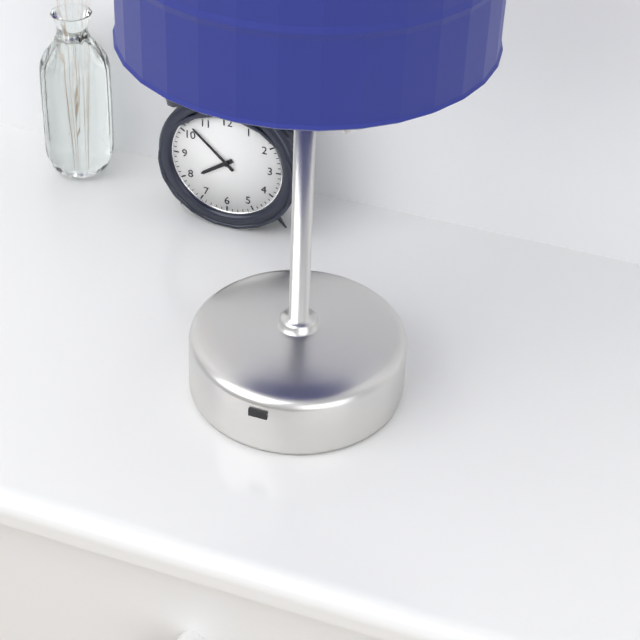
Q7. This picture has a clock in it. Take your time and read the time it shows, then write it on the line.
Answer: 7:52
